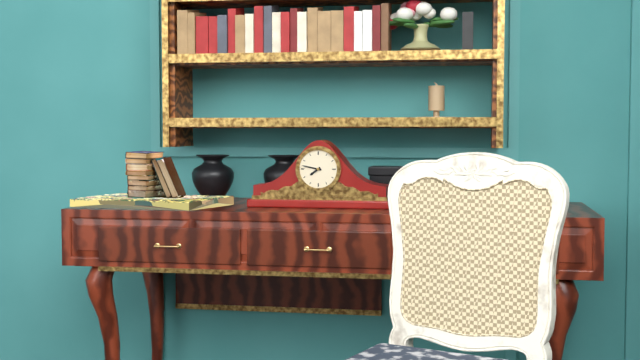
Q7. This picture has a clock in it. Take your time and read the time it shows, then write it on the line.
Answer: 7:47
